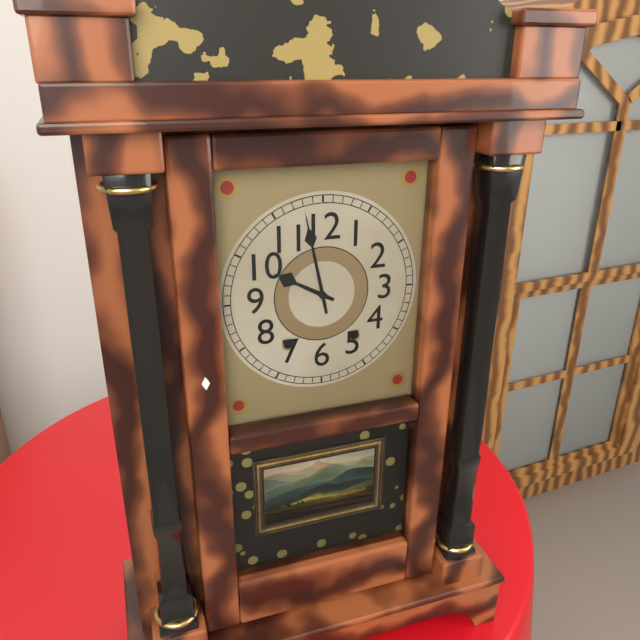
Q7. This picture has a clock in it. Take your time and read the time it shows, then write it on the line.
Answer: 9:58
